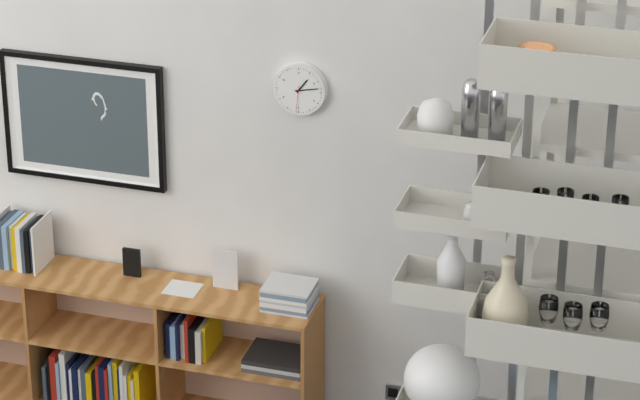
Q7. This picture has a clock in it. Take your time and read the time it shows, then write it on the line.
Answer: 1:13
